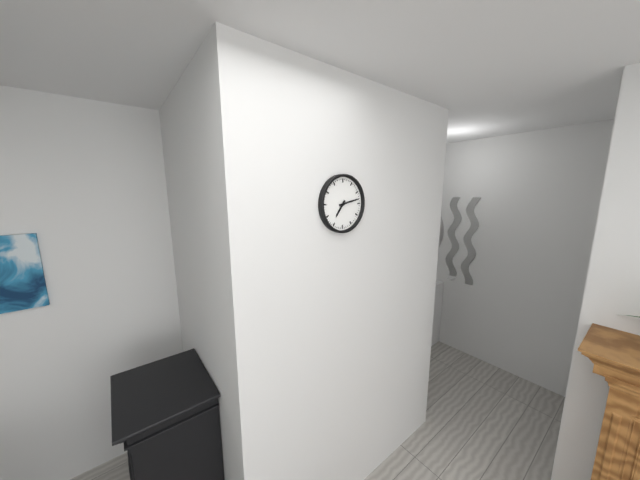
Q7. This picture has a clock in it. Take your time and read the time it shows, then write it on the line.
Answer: 7:13
